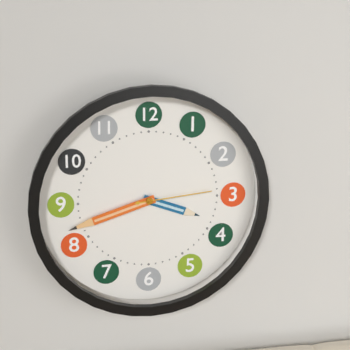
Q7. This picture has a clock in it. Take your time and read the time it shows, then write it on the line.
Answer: 3:42:14
